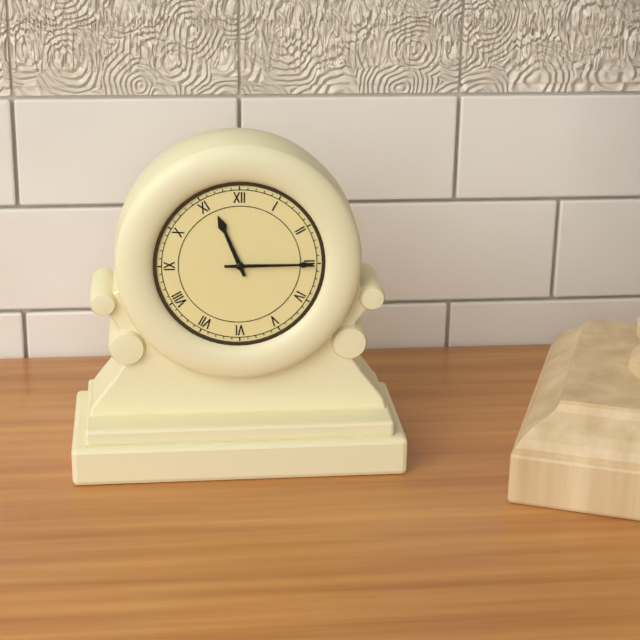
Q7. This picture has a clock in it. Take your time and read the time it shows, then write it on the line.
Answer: 11:15
